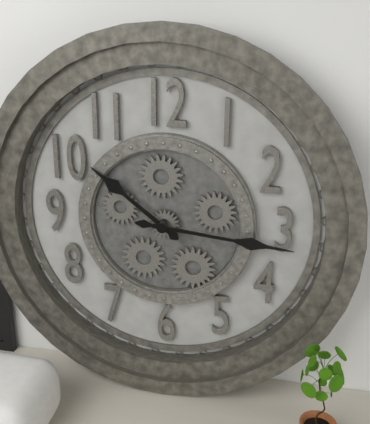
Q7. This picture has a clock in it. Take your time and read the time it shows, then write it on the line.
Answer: 10:16
